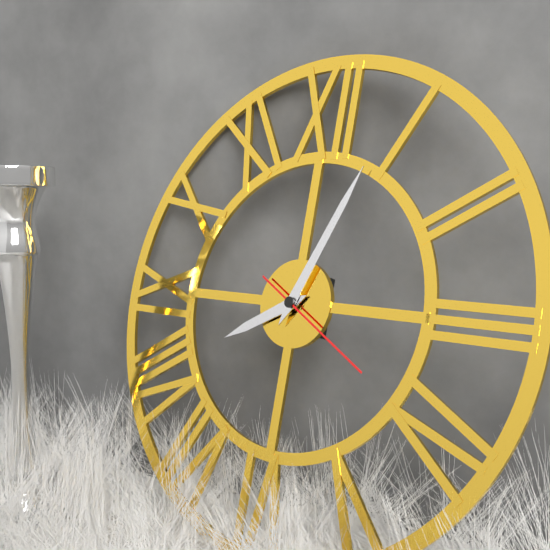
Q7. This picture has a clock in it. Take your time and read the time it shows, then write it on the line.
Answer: 8:04:20
